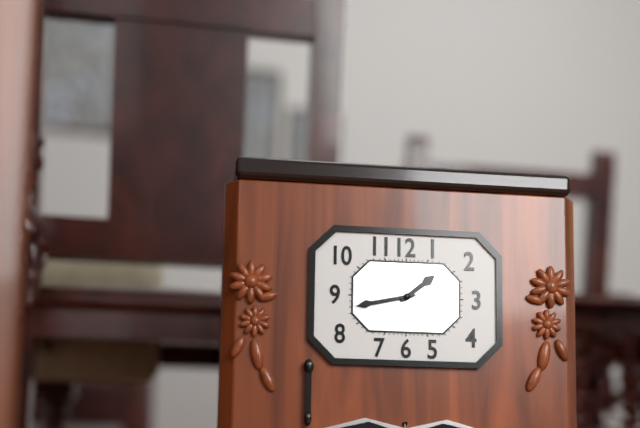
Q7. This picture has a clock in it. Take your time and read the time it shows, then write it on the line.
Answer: 1:43
